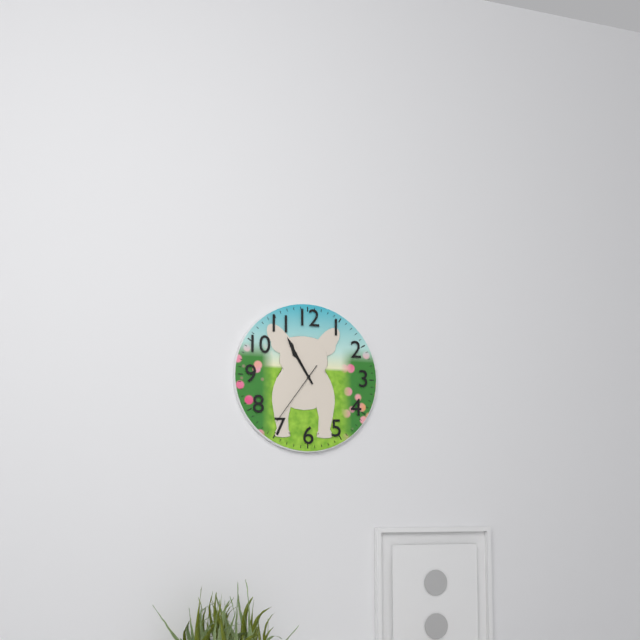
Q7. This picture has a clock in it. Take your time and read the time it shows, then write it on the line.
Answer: 10:55:36
